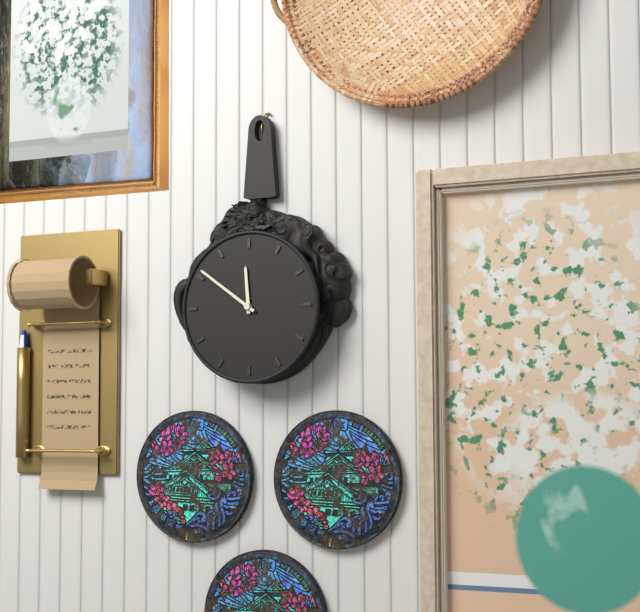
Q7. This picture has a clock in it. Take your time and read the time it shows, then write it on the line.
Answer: 11:51
